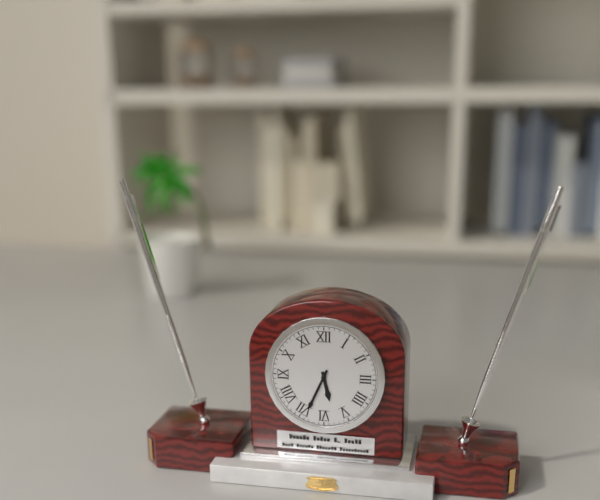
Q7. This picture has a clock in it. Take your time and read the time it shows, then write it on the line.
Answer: 5:34
